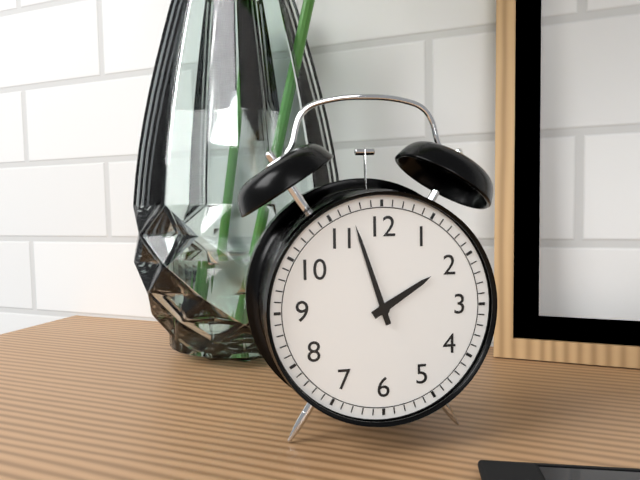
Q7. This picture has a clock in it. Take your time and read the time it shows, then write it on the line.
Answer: 1:57
